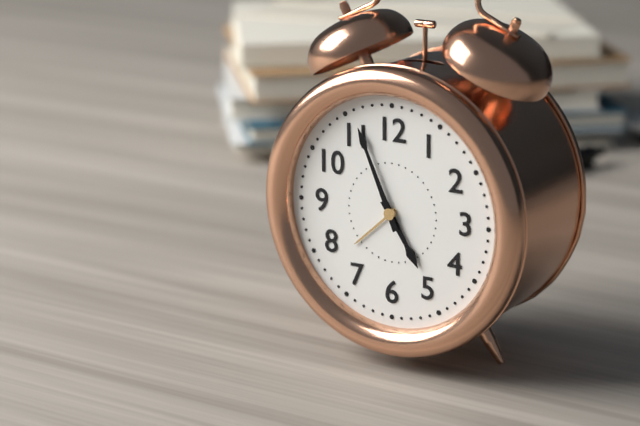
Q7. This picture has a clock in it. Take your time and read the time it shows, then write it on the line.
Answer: 4:56
